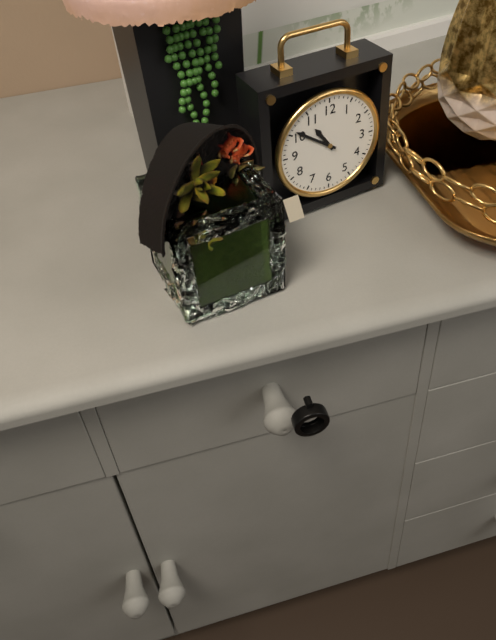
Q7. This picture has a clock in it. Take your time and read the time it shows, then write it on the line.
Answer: 10:51
